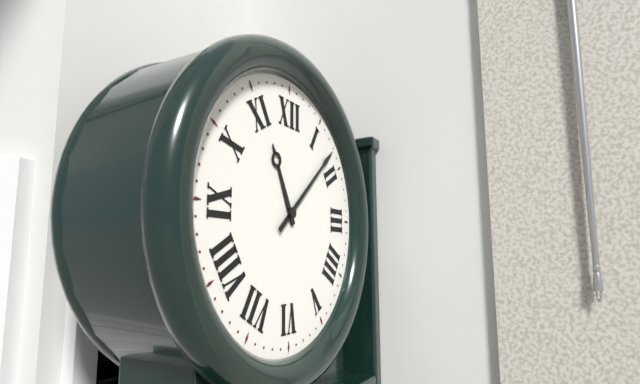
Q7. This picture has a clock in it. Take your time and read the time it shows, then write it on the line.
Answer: 11:08
